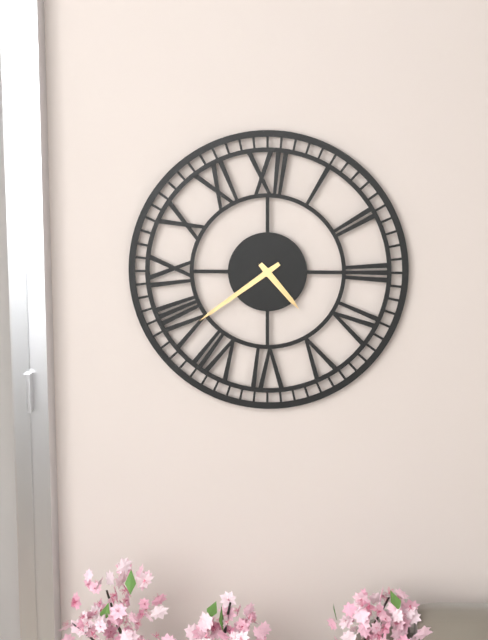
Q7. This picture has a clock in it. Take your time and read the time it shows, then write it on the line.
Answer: 4:39
